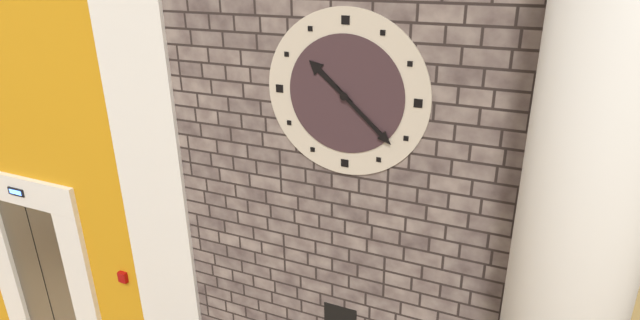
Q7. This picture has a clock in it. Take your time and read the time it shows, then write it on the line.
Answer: 10:22
